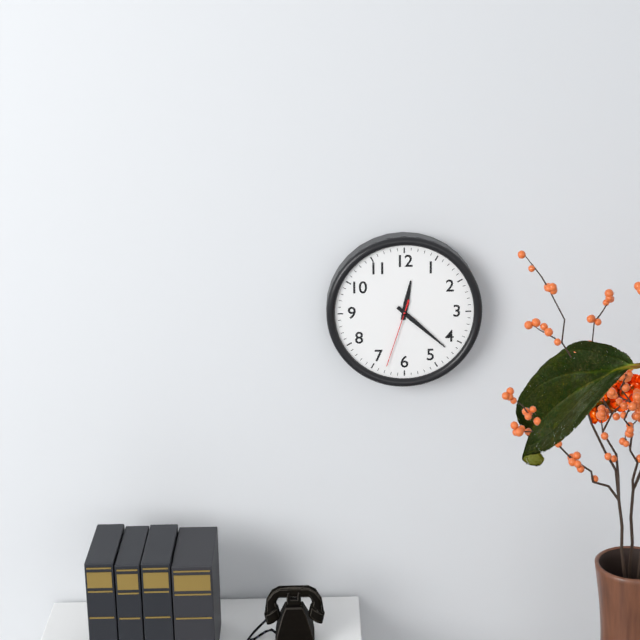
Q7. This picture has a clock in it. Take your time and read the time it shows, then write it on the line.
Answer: 12:22:33
